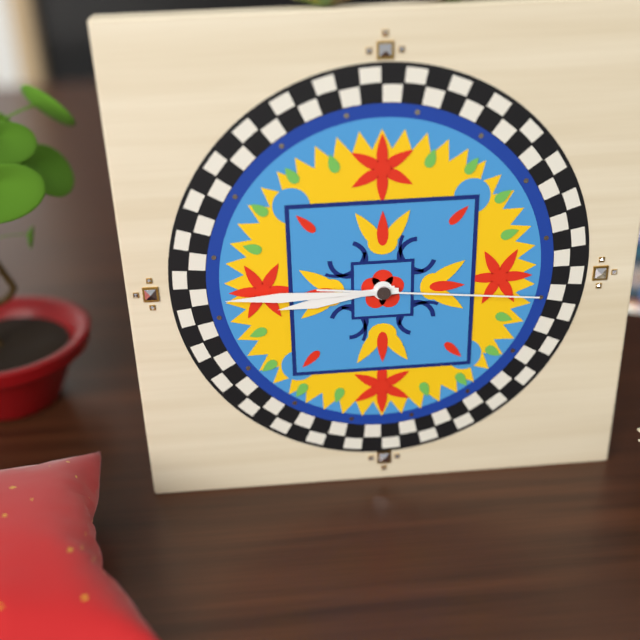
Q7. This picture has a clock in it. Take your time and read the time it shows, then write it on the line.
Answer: 8:45:16
